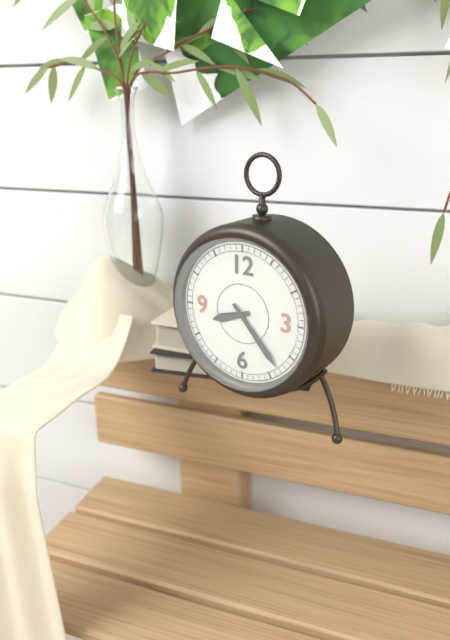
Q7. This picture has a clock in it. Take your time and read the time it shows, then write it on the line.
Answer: 8:23
